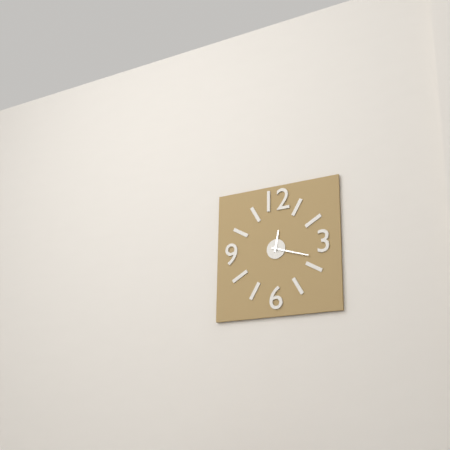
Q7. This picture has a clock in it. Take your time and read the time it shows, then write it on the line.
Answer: 12:18
